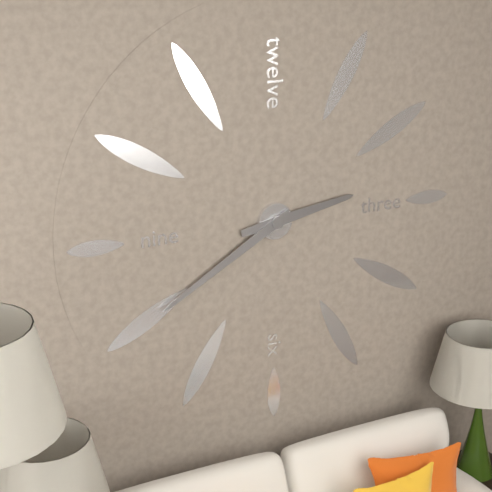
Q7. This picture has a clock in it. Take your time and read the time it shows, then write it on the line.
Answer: 2:40
